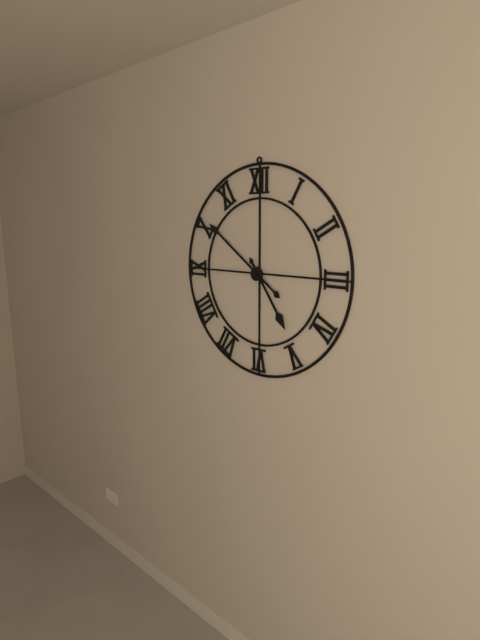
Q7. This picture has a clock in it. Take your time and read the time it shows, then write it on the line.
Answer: 4:51
